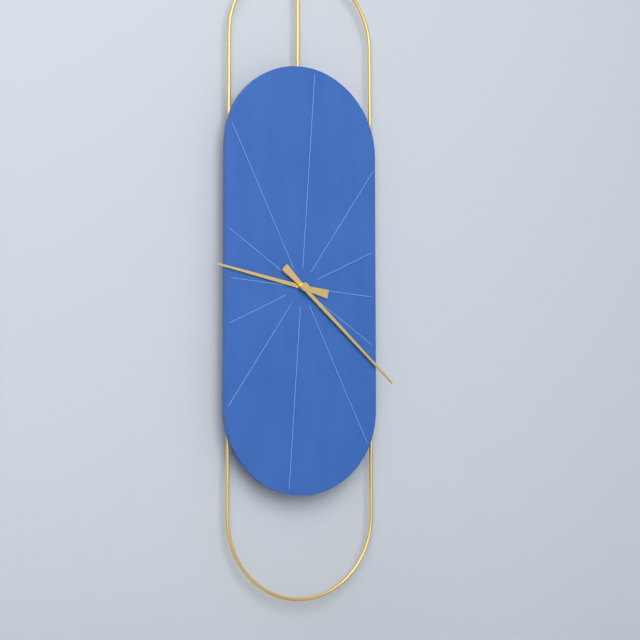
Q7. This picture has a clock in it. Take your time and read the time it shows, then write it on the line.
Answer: 9:22
